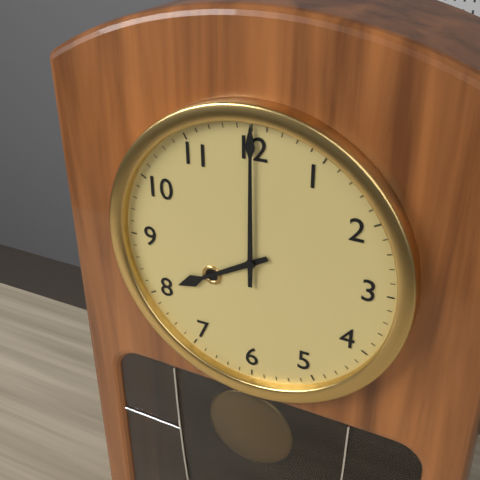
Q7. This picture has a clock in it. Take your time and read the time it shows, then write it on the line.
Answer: 8:00
